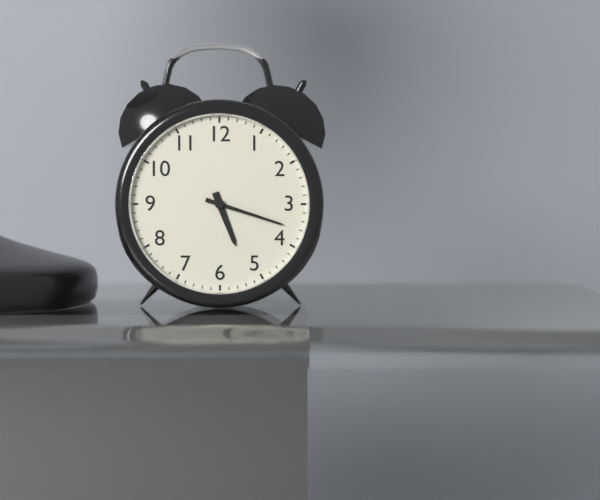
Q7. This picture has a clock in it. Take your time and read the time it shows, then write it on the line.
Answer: 5:18
